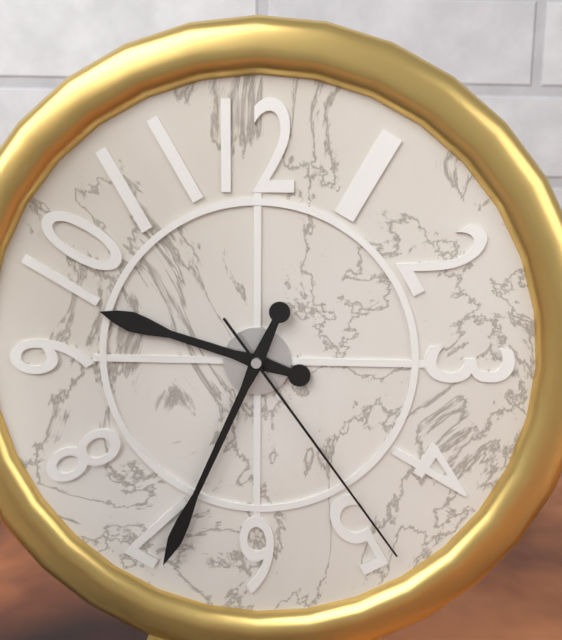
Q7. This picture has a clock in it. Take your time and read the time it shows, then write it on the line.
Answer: 9:34:24
